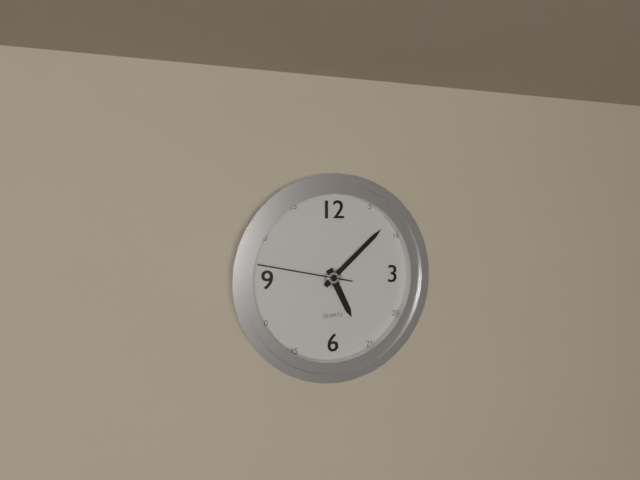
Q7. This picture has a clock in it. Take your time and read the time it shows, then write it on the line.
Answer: 5:08:47
